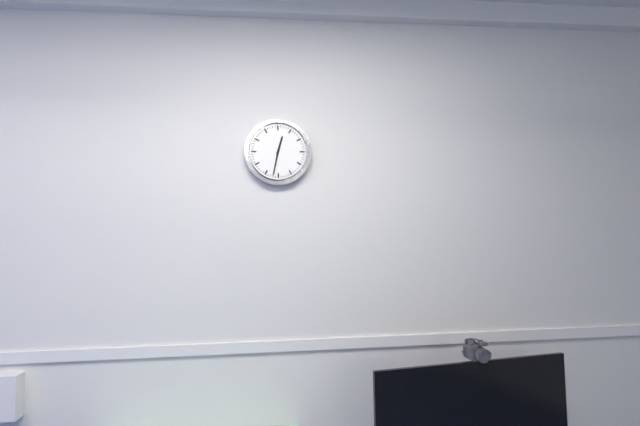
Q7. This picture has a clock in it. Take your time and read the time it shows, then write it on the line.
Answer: 12:32
